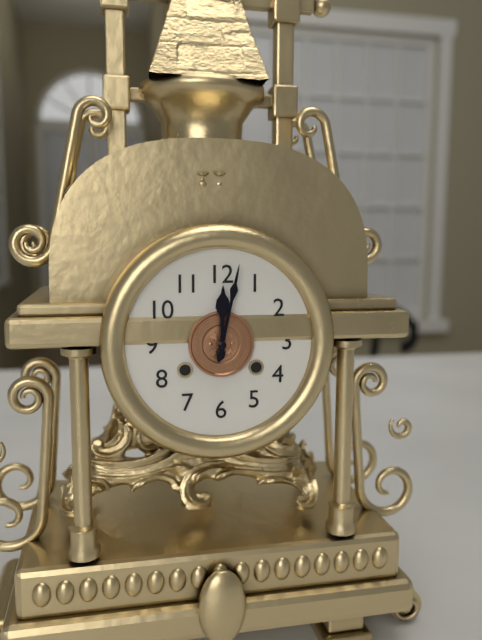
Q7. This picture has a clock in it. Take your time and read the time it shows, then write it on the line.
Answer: 12:02
